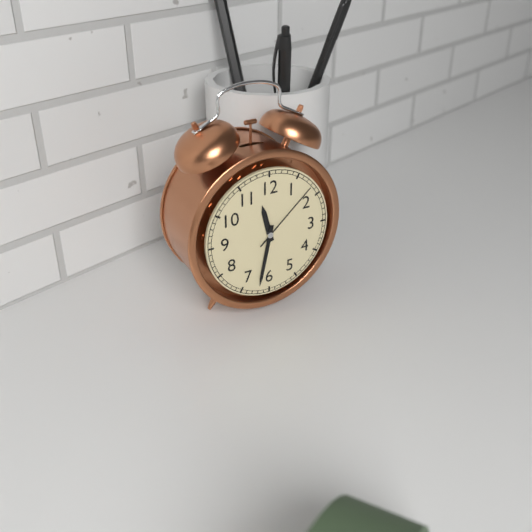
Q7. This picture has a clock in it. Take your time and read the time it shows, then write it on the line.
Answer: 11:32:08
